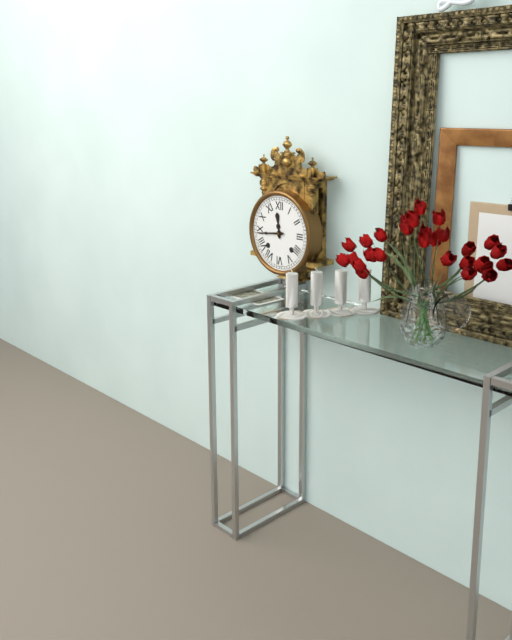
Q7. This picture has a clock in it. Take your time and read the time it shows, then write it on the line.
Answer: 11:44
